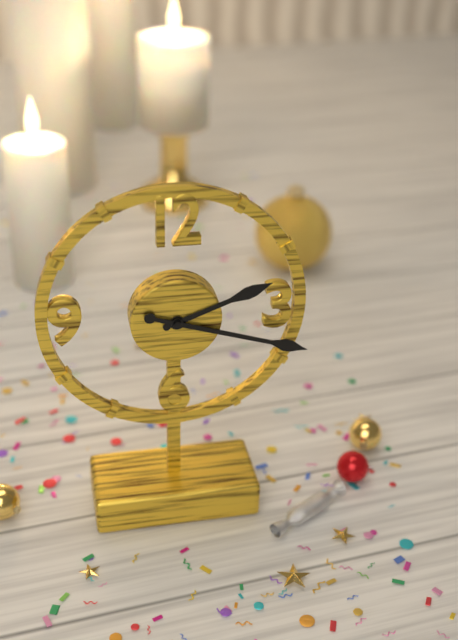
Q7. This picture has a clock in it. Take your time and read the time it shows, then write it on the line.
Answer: 2:18
